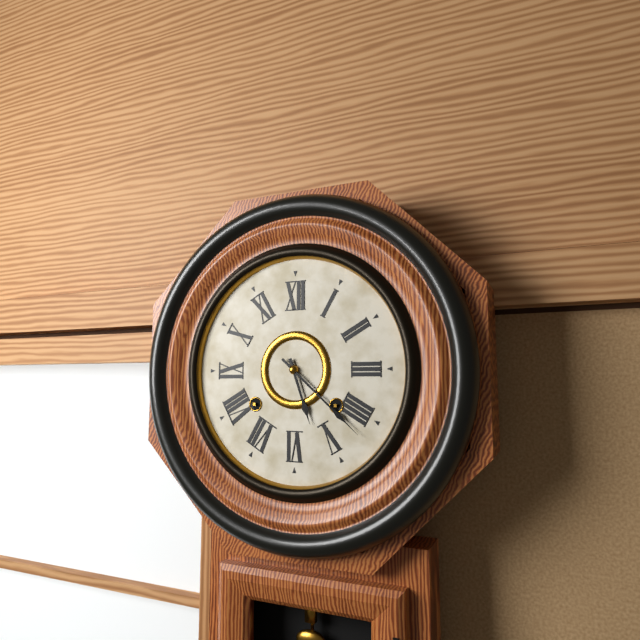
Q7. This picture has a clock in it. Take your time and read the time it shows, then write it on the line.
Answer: 5:22
